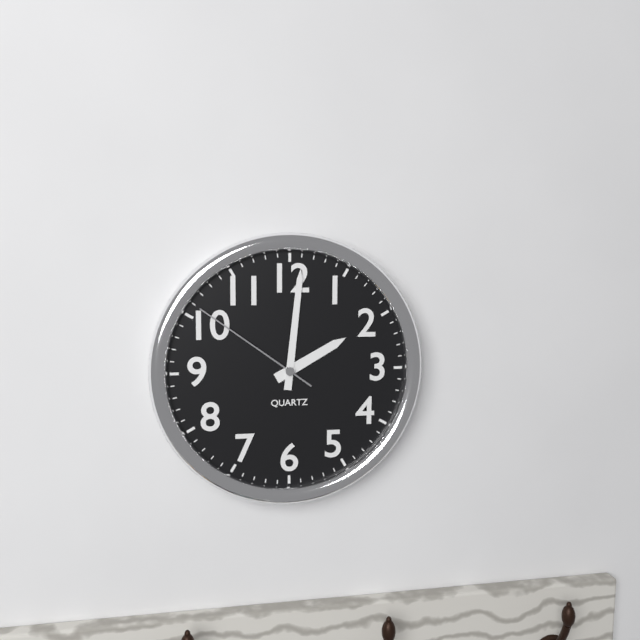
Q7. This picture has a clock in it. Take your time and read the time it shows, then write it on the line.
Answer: 2:01:51
